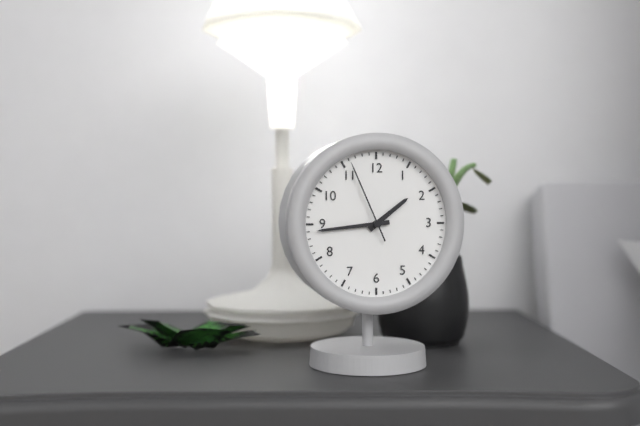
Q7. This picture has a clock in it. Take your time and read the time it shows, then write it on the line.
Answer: 1:44:56
